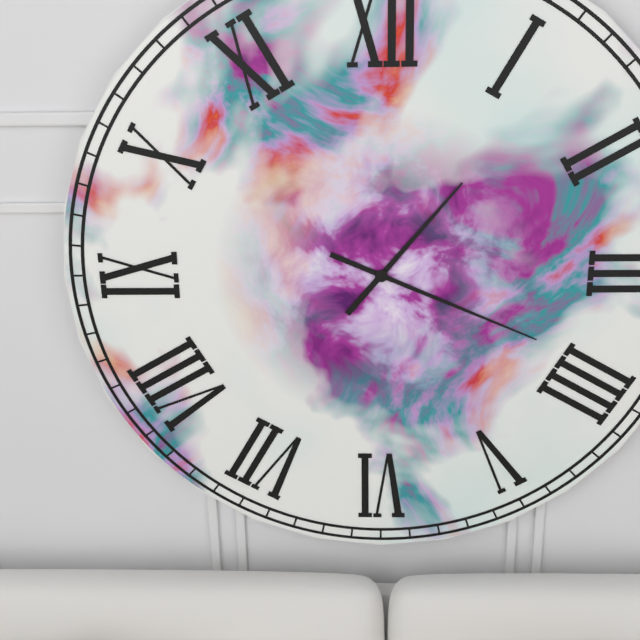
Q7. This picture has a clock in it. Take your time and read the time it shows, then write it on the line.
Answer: 1:19
